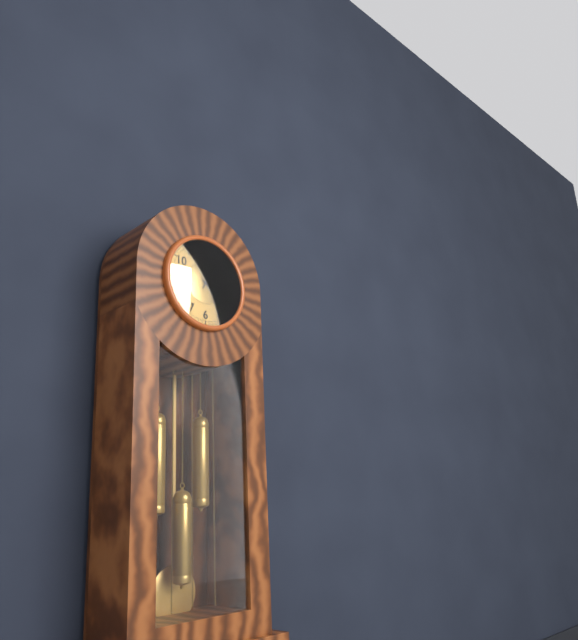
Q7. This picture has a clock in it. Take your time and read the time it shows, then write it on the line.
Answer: 4:05
